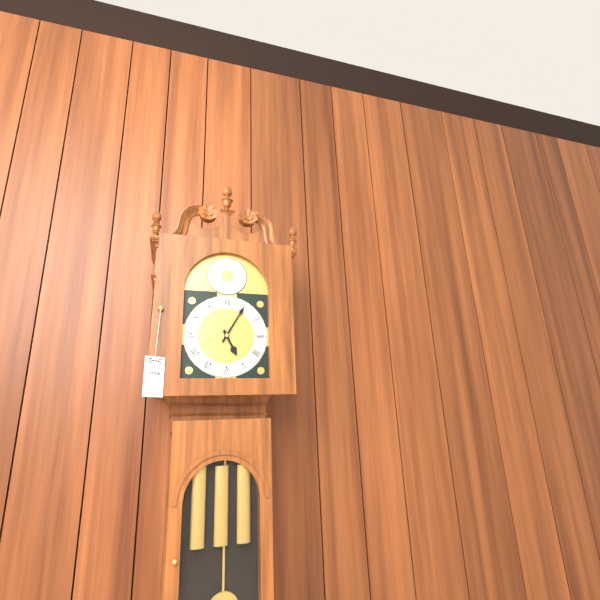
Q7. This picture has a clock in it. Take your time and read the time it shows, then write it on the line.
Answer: 5:05
